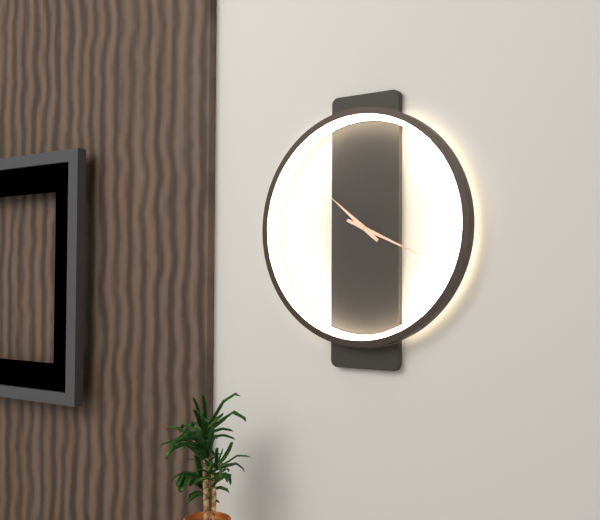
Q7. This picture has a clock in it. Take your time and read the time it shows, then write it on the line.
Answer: 10:19
